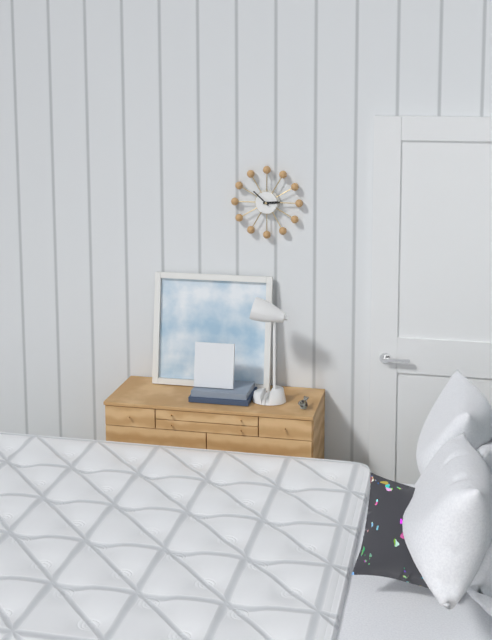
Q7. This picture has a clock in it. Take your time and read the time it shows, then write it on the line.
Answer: 2:52
